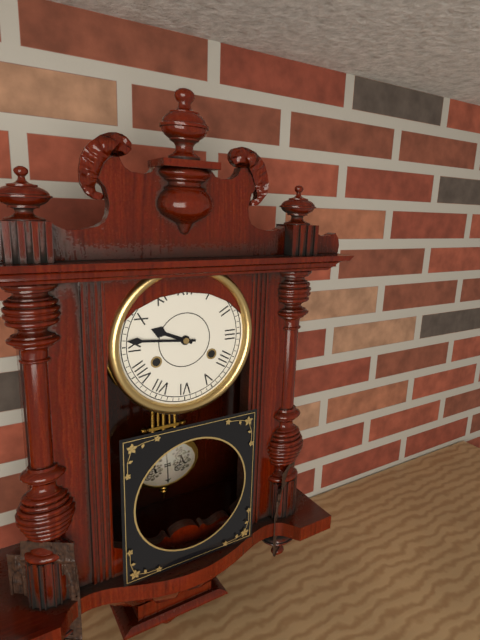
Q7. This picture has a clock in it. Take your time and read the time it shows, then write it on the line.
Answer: 9:46
